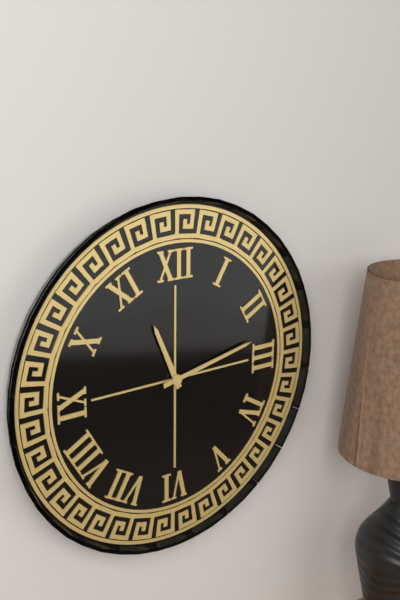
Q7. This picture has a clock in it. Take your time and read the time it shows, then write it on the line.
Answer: 11:13
